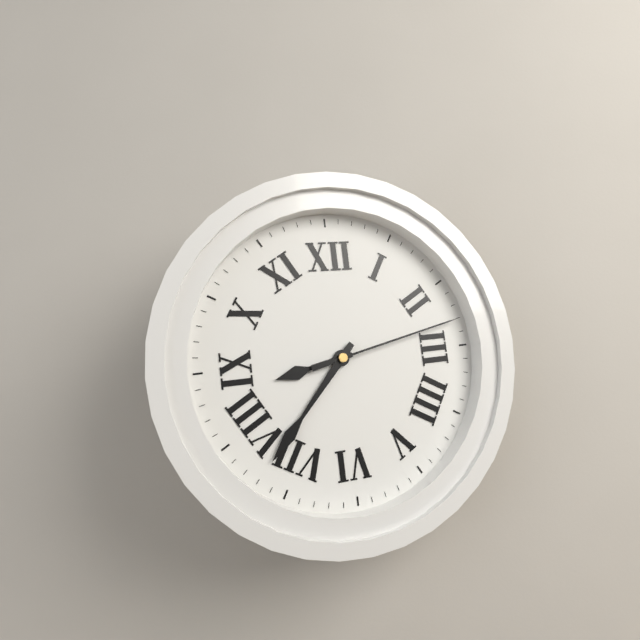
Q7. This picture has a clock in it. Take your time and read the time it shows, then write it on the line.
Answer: 8:37:13
